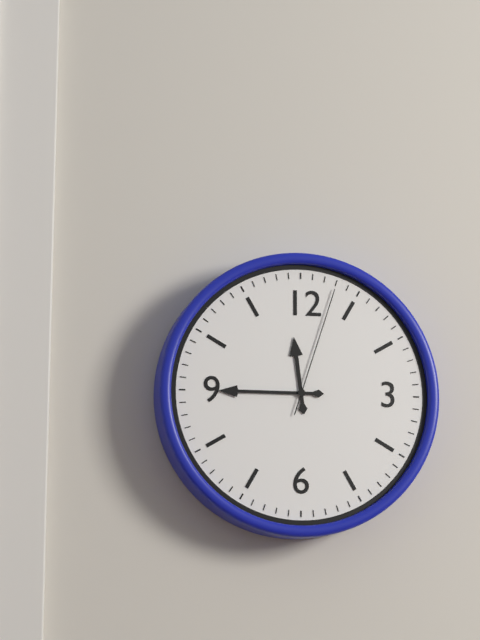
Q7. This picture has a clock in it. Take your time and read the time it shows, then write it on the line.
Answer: 11:45:03
